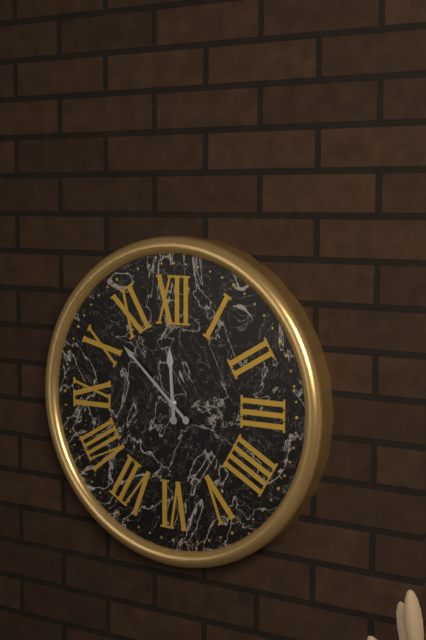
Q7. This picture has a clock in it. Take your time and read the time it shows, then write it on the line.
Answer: 11:52
